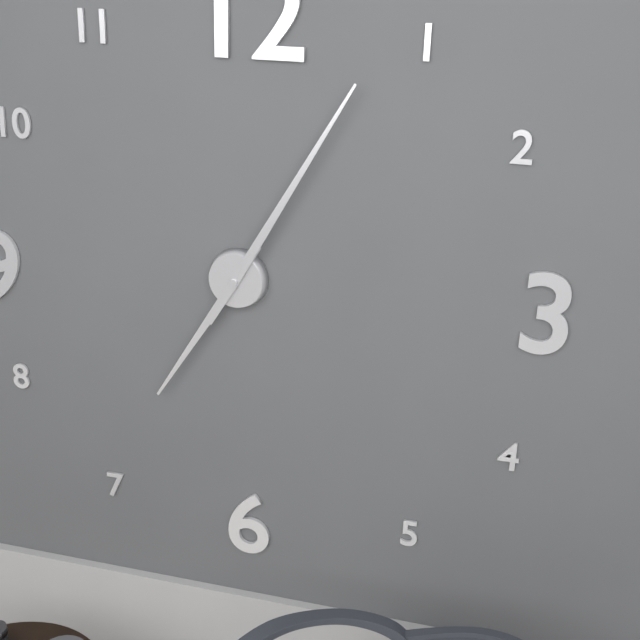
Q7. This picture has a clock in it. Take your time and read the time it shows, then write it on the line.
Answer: 7:05
